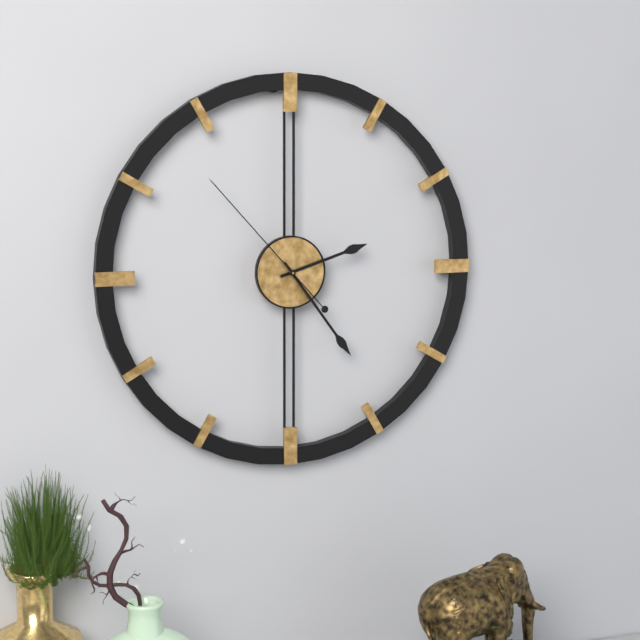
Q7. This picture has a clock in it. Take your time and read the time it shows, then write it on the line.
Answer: 2:24:53
